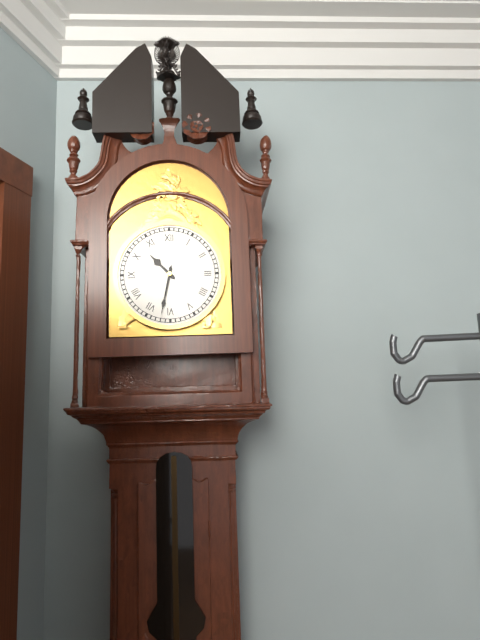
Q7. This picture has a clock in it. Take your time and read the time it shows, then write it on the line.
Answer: 10:32
